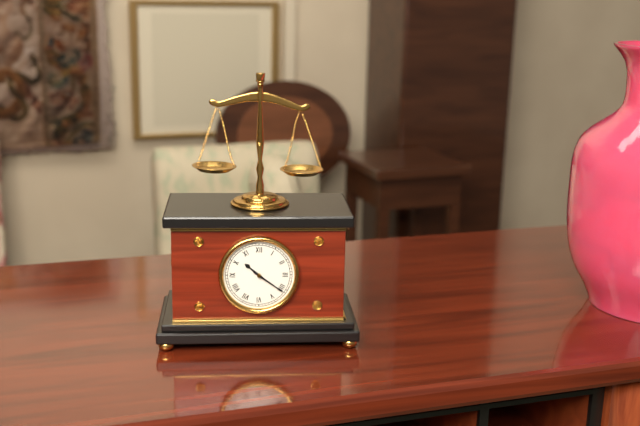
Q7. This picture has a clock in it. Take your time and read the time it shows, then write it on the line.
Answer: 10:21
